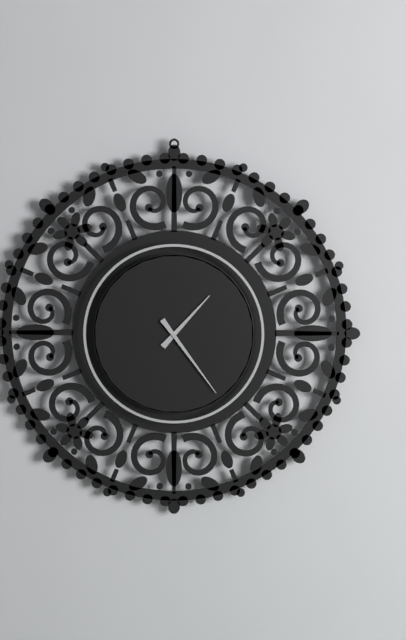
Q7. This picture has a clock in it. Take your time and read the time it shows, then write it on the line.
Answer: 1:24
